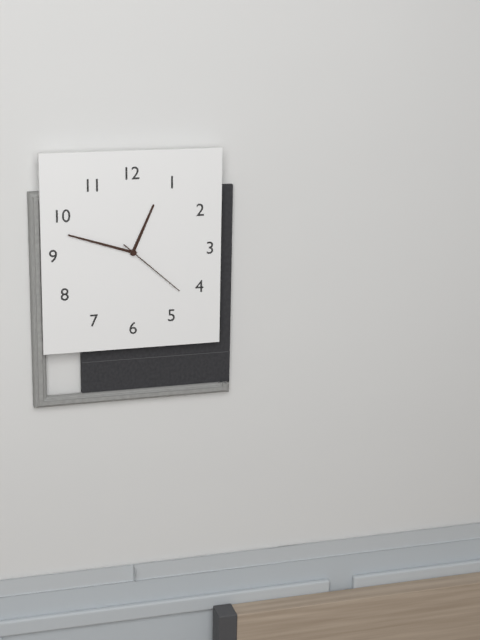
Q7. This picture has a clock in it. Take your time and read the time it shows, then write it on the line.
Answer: 12:48:22
